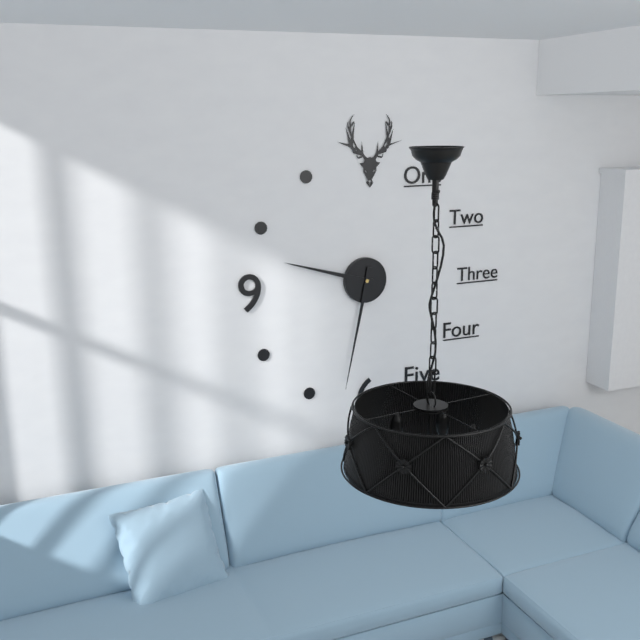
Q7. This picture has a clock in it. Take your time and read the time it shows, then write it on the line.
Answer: 9:32
